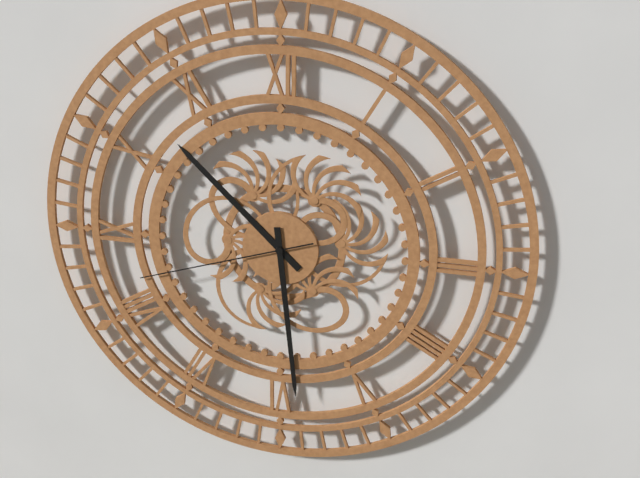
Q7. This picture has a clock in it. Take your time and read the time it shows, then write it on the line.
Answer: 10:29:42
